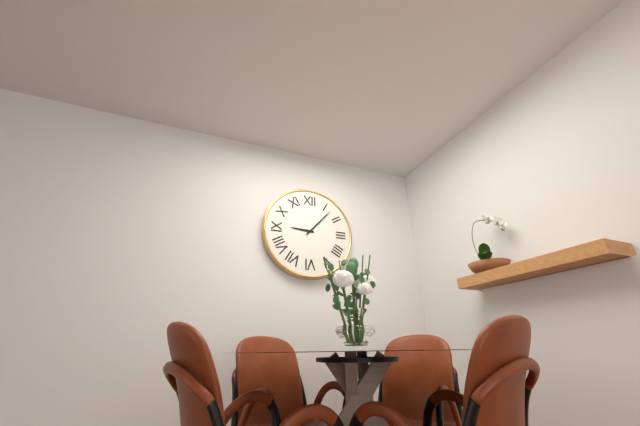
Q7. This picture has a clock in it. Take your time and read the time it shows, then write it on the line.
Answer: 9:07
